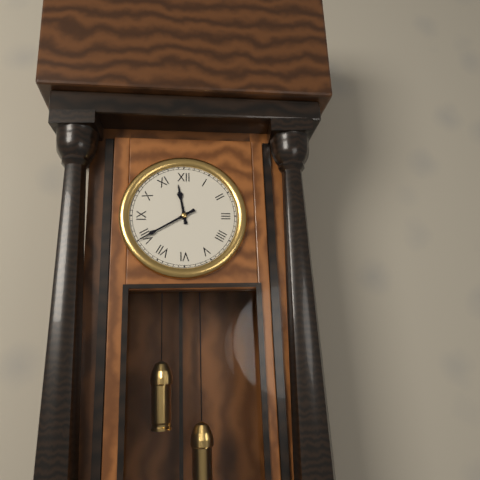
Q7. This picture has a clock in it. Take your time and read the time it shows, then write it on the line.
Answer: 11:40
